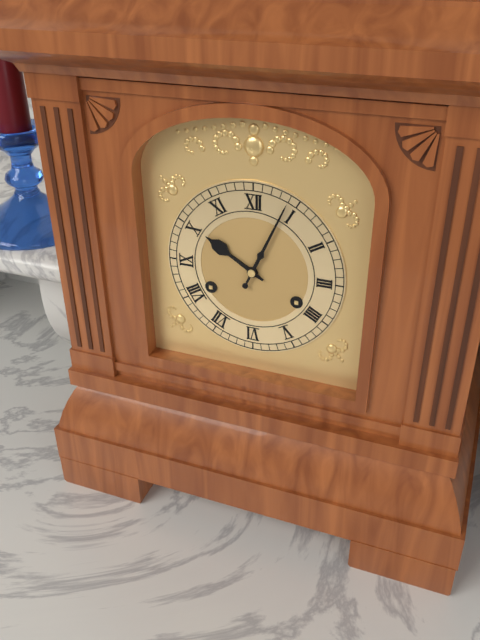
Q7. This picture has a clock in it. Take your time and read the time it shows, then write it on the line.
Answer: 10:04
